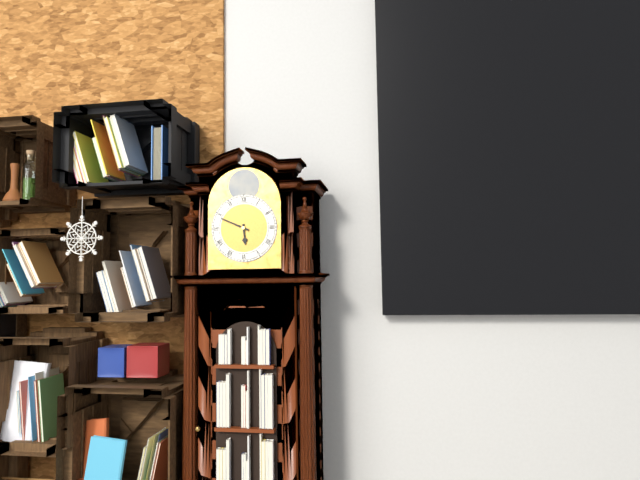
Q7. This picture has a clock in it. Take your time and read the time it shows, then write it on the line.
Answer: 5:49
